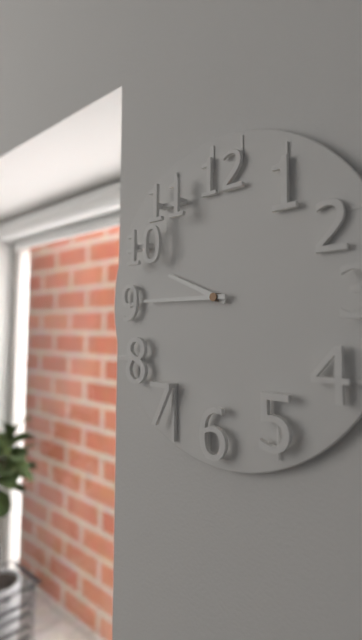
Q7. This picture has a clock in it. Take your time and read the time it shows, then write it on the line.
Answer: 9:45
